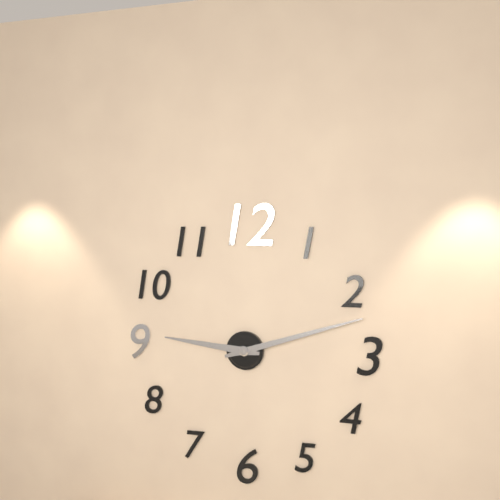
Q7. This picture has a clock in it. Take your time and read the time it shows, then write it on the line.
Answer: 9:12
